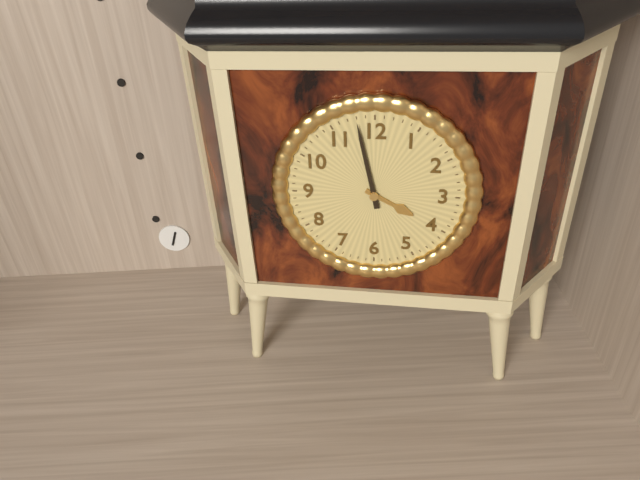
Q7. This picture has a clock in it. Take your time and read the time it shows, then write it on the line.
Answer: 3:58
